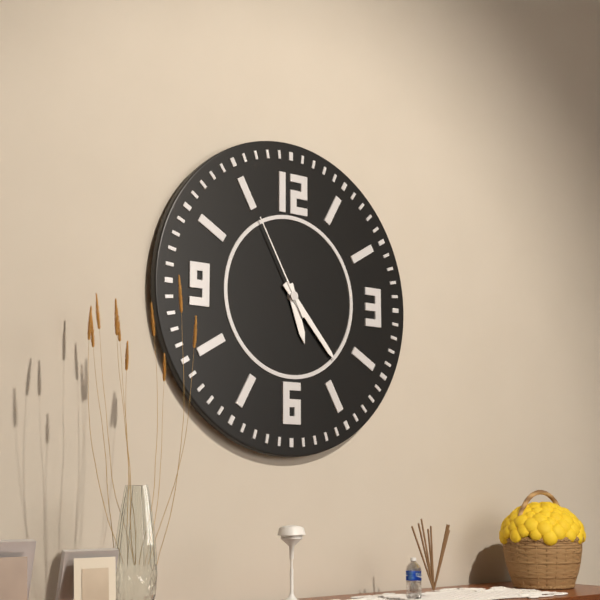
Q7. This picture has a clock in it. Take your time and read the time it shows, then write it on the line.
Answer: 5:23:55
